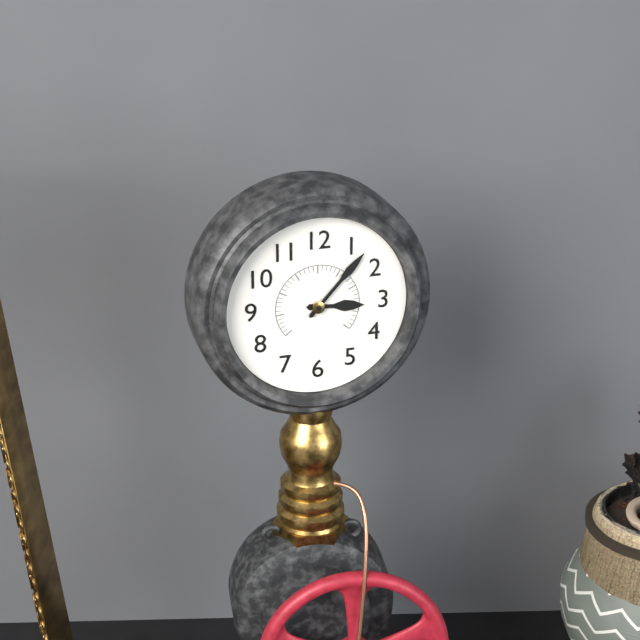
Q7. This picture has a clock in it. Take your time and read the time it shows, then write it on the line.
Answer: 3:07
